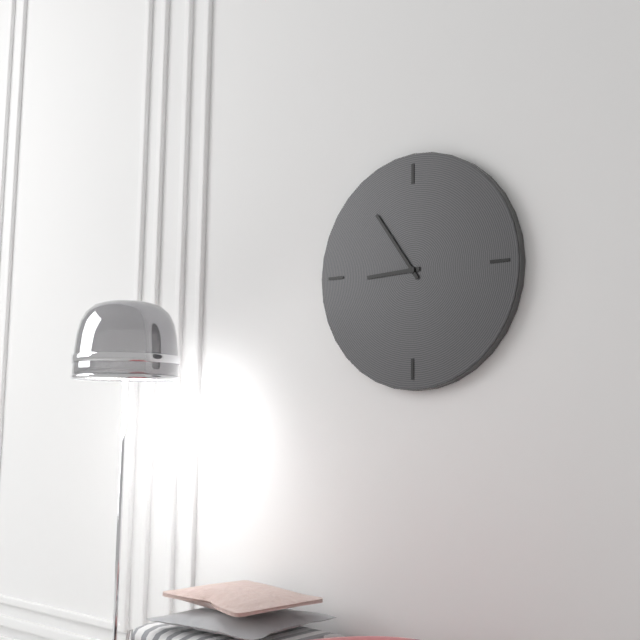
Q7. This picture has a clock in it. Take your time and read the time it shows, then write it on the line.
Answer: 8:54
